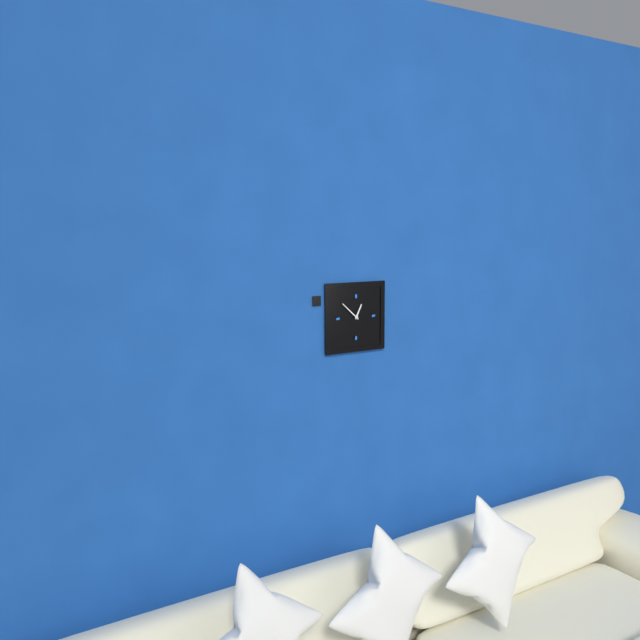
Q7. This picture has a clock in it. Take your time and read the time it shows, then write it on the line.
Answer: 12:52
